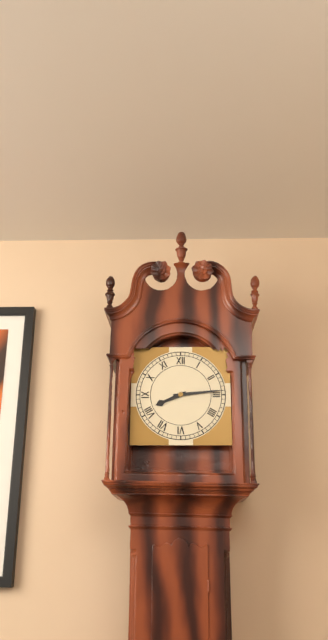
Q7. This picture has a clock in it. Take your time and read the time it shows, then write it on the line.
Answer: 8:14
